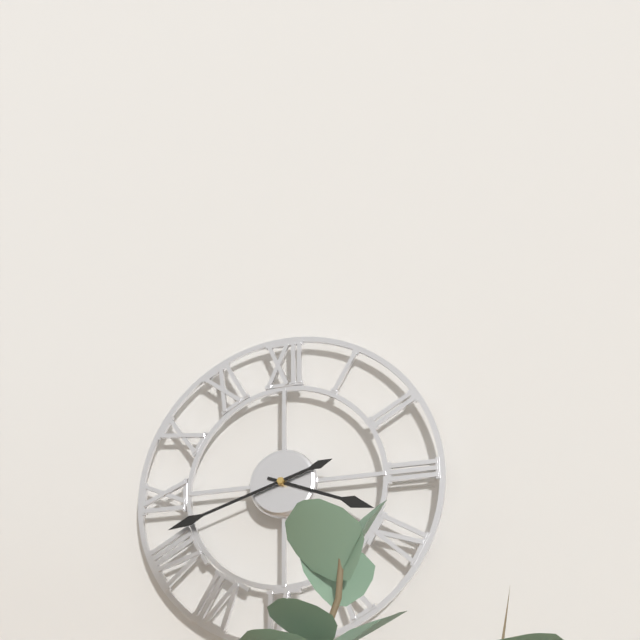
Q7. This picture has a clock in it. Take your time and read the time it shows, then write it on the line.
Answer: 3:42
